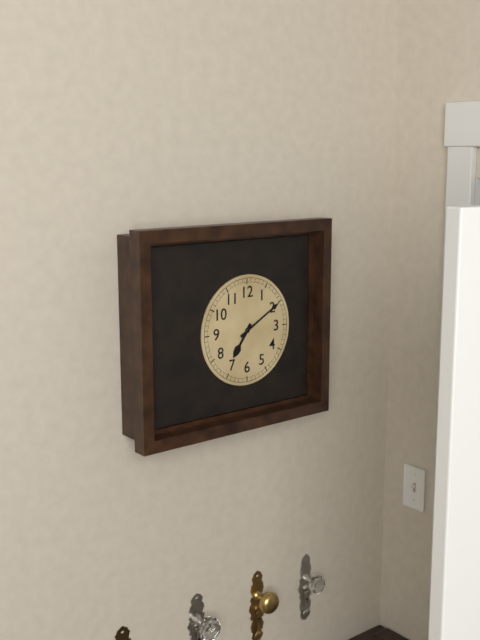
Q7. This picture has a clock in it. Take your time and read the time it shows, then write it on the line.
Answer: 7:10
